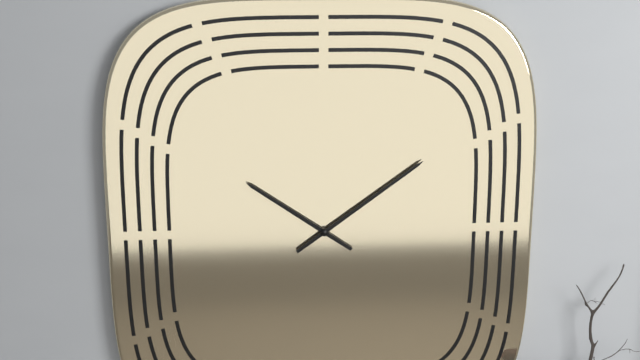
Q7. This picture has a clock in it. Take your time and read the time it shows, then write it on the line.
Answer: 10:09
